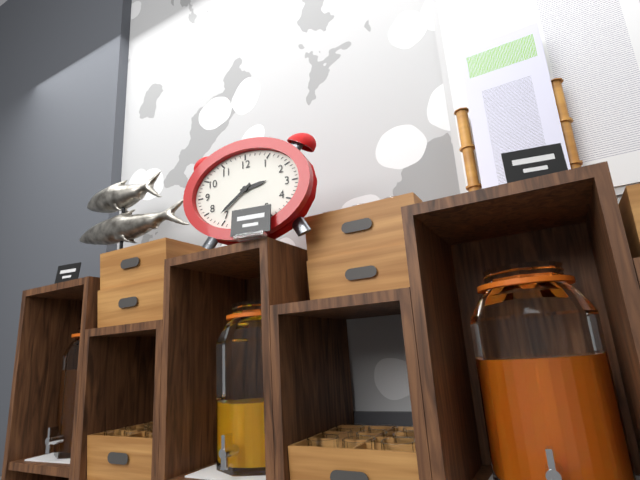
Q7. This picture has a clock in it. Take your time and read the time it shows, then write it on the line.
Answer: 2:39
